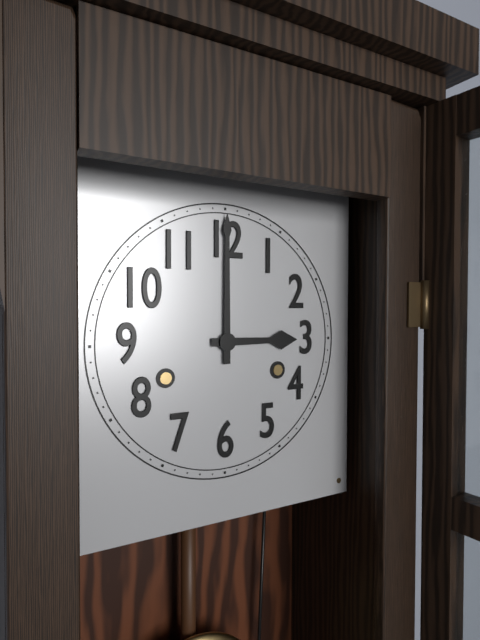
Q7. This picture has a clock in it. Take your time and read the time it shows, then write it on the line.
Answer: 3:00
